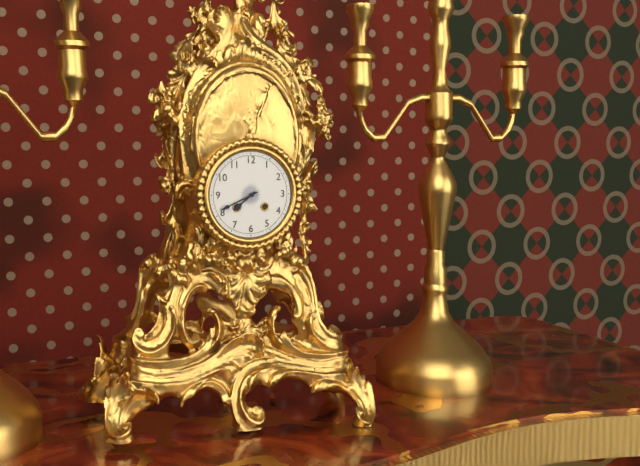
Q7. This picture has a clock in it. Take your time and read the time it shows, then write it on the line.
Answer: 7:41
